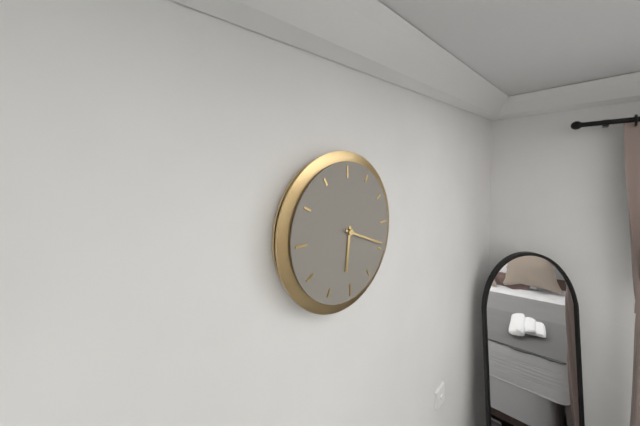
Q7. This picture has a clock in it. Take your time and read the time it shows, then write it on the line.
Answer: 6:19
